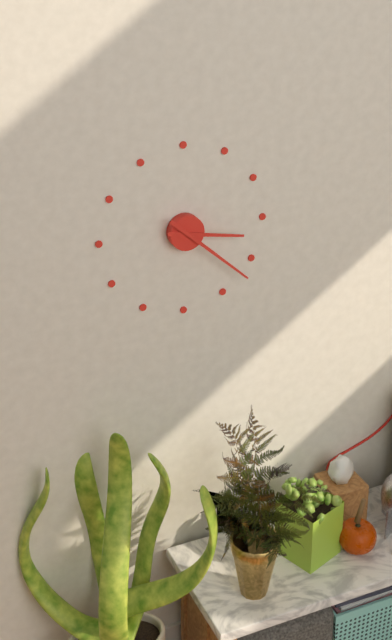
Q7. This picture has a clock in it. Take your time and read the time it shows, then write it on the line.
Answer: 3:22
